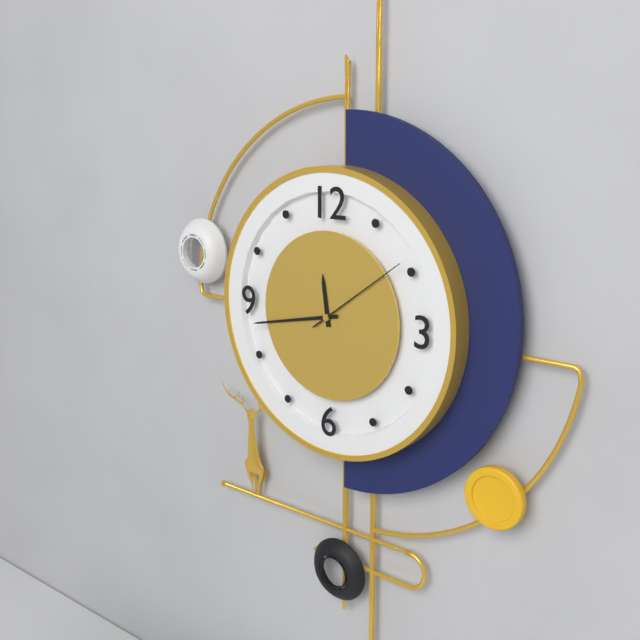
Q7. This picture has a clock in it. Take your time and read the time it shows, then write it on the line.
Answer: 11:43:09
